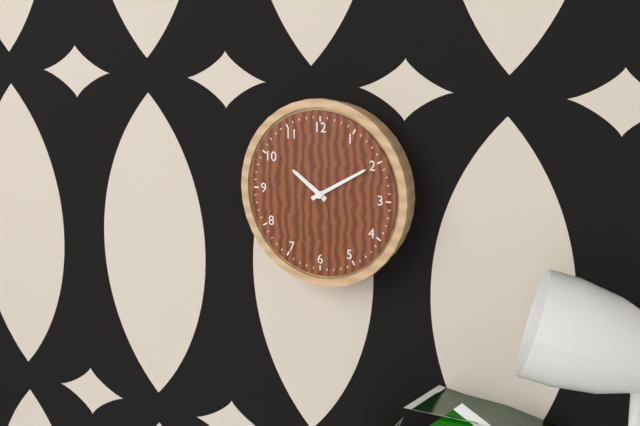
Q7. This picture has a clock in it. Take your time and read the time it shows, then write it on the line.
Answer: 10:10
